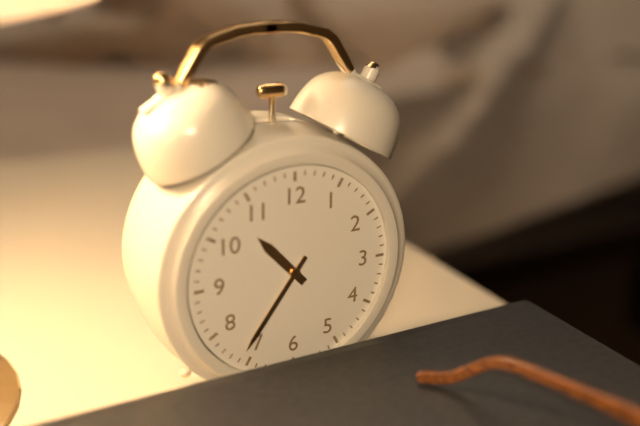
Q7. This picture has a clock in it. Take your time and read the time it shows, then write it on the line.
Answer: 10:36
